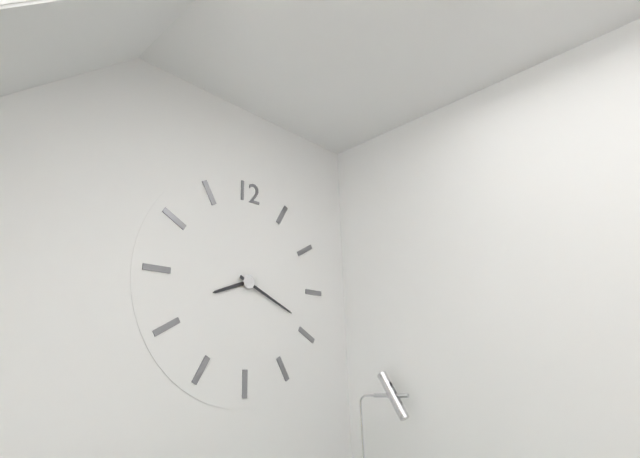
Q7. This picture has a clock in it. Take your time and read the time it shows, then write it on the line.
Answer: 8:19
